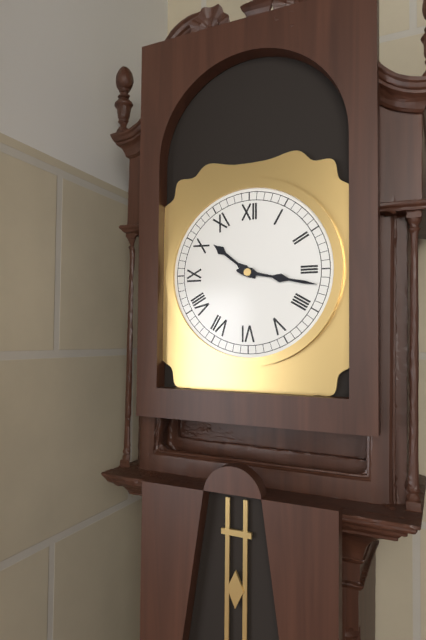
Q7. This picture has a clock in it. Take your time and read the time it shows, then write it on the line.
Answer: 10:17
